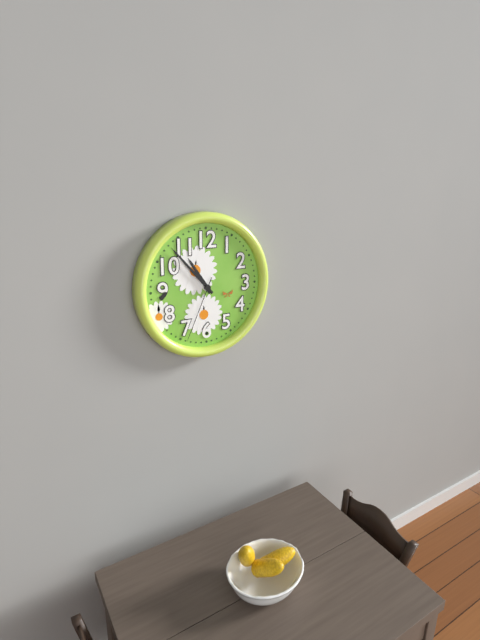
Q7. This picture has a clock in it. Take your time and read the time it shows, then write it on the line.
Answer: 10:53:34
